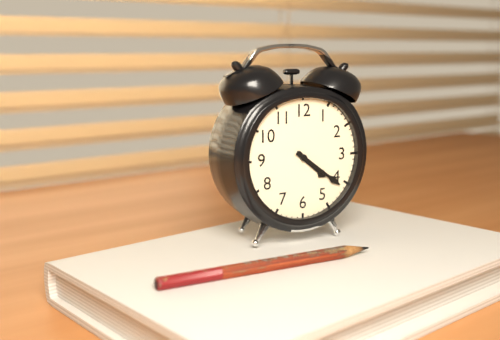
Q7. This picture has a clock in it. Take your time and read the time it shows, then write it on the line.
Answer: 4:21
